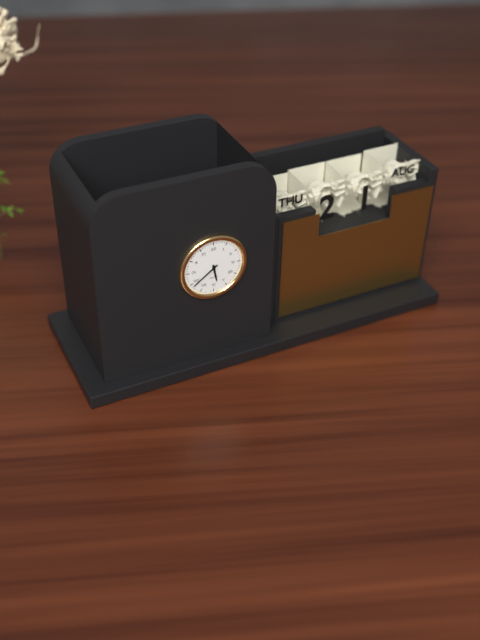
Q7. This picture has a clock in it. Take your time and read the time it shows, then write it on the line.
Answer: 5:39
